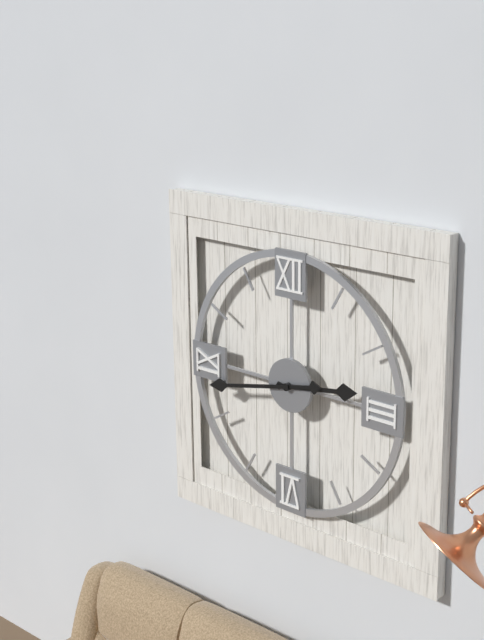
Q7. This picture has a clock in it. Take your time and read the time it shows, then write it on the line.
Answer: 2:43
